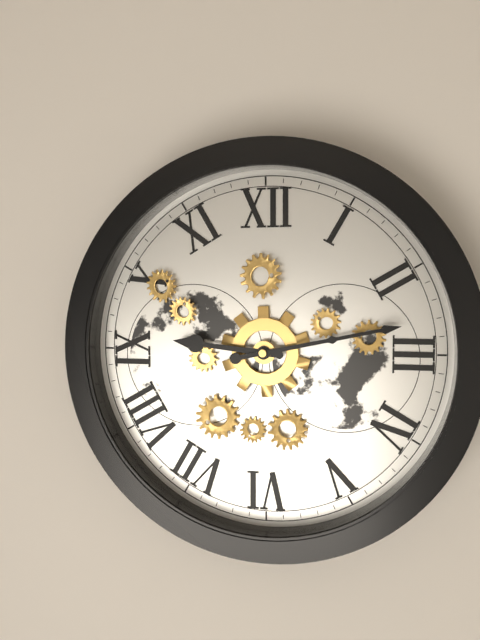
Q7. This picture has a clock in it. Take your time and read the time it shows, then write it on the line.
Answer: 9:13
